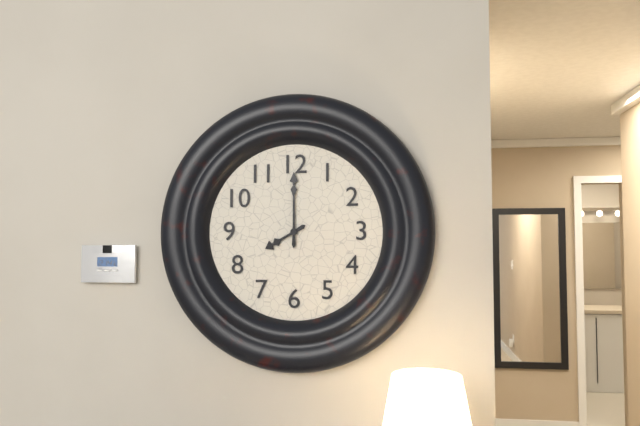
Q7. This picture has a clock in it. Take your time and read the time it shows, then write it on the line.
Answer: 8:00
